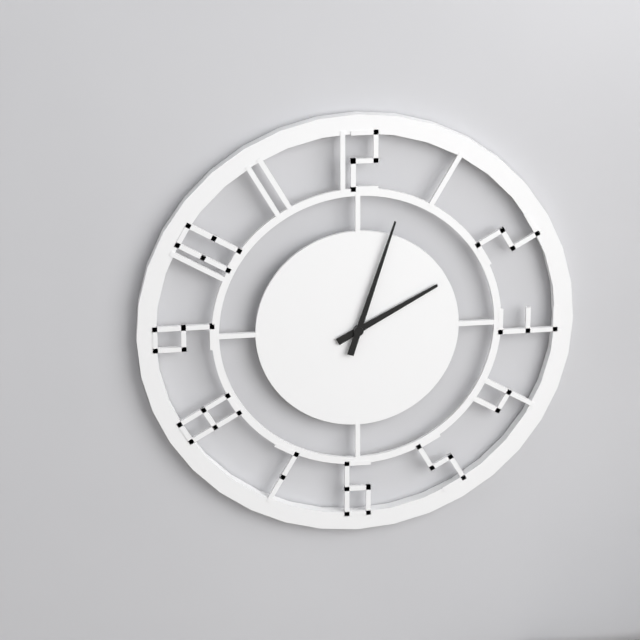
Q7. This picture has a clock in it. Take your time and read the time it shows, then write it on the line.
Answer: 2:03
